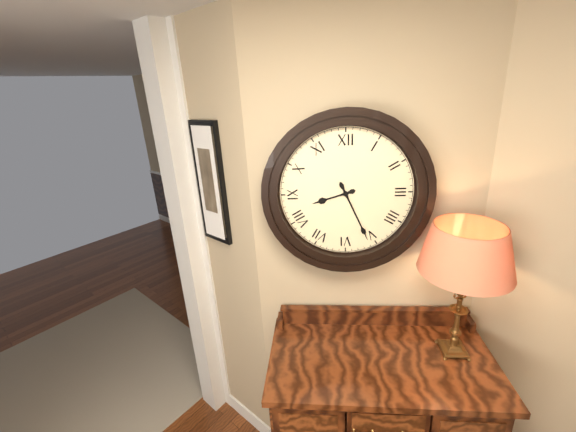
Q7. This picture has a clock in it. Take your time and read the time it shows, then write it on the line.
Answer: 8:26
